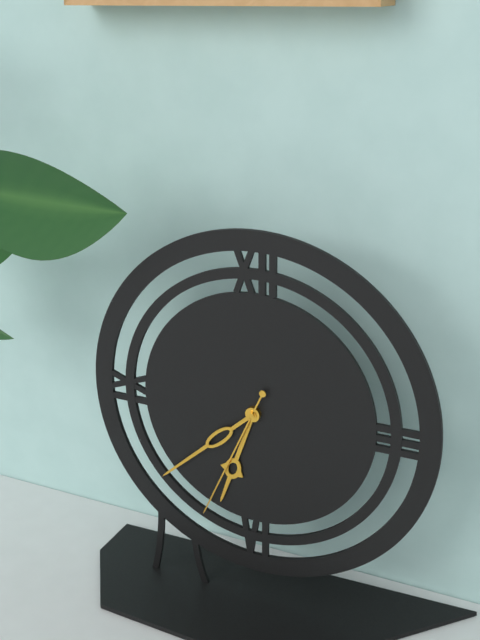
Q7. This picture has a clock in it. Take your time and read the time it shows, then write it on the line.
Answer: 6:38:34
